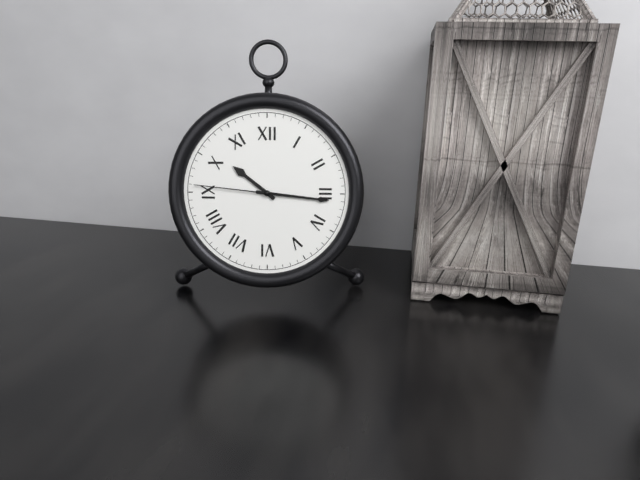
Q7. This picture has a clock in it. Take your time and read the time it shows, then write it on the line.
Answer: 10:16:46
